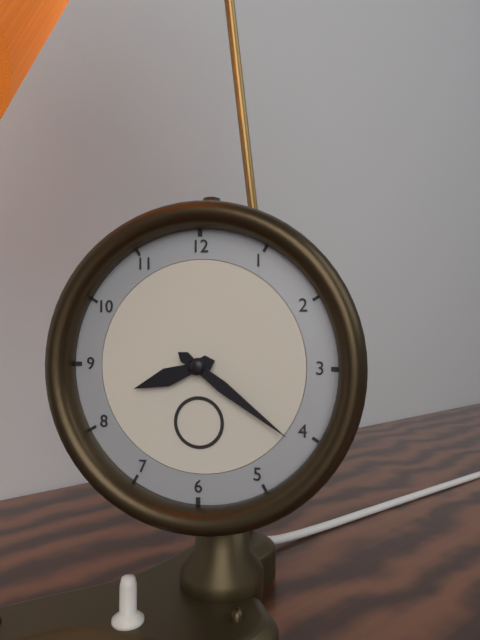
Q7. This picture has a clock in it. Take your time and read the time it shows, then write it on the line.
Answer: 8:21
